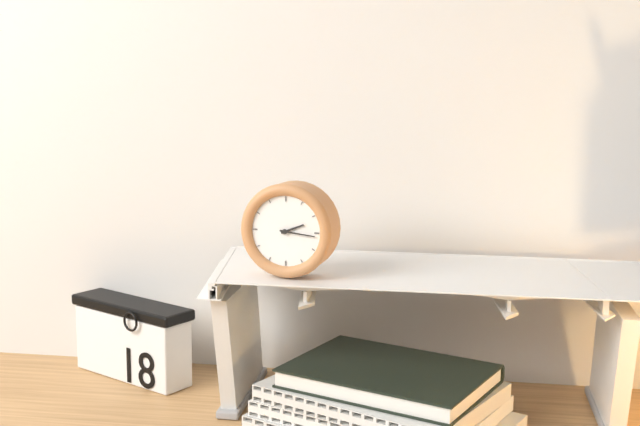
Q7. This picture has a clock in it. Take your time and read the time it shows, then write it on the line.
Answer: 2:16
